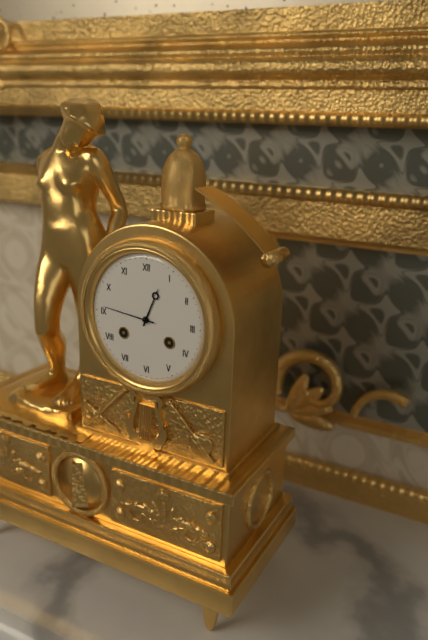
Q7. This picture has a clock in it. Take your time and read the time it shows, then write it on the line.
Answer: 12:46
